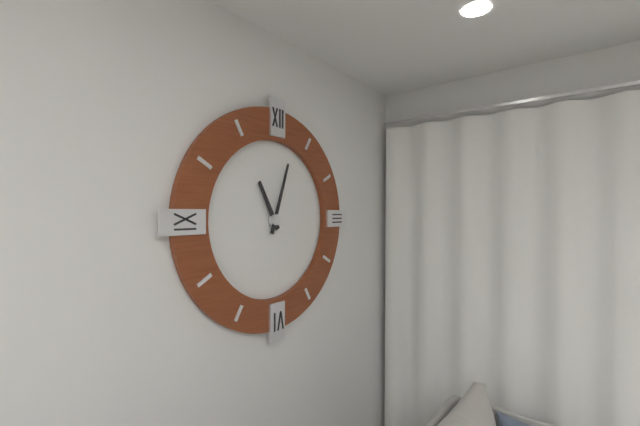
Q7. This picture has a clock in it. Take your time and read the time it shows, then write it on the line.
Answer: 11:03
